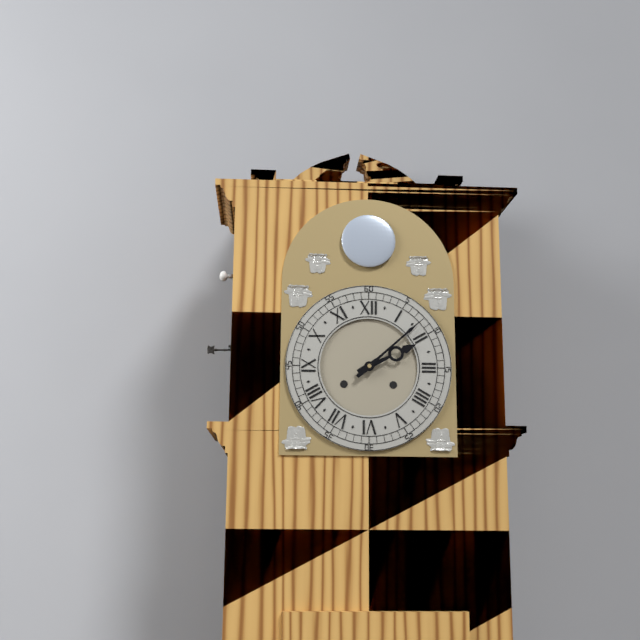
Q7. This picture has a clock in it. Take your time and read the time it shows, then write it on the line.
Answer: 2:08
